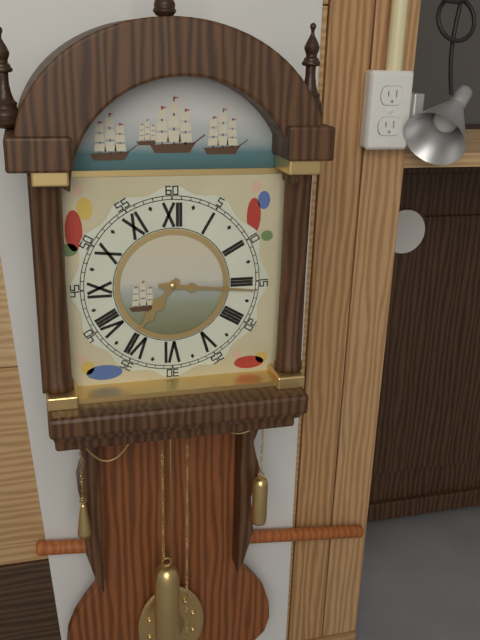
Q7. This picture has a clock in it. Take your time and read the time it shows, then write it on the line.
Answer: 7:16
